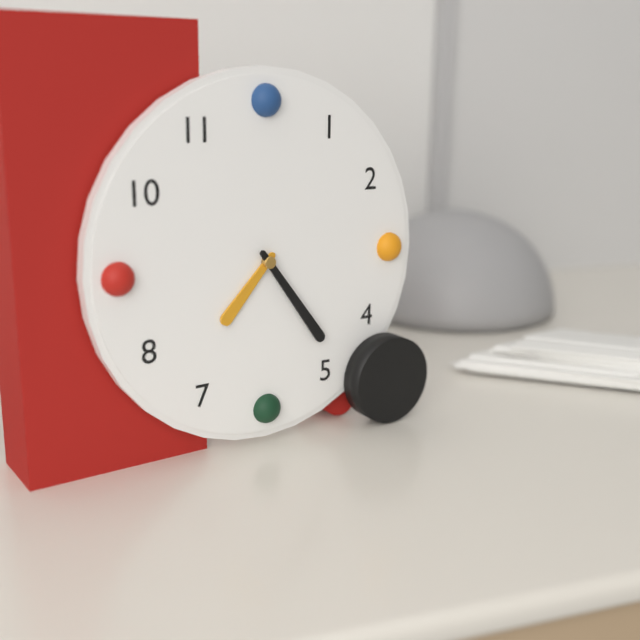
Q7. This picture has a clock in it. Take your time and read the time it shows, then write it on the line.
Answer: 7:24
